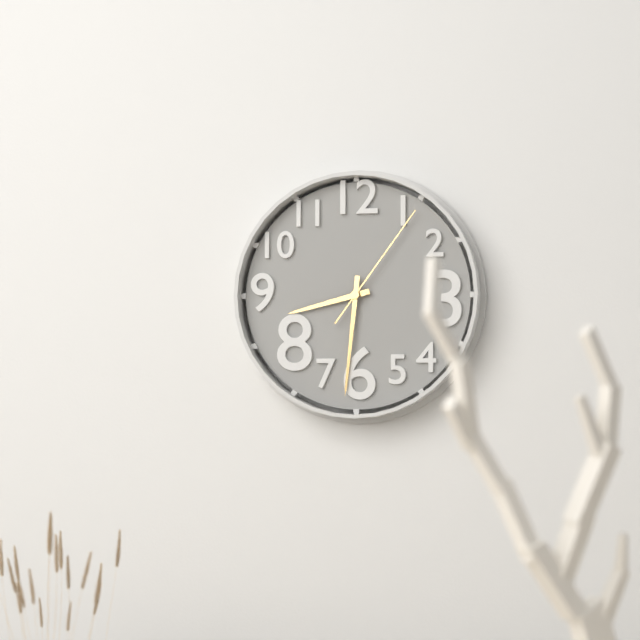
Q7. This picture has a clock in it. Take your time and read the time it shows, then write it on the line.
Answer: 8:31:06
